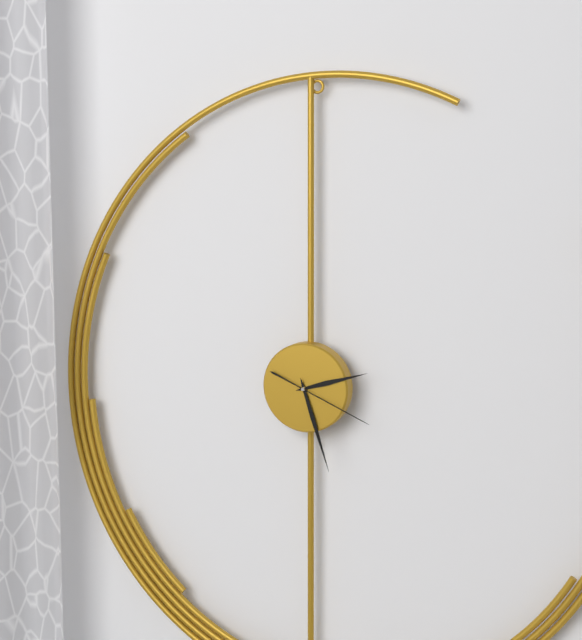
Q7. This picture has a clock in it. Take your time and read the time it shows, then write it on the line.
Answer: 2:27:19
